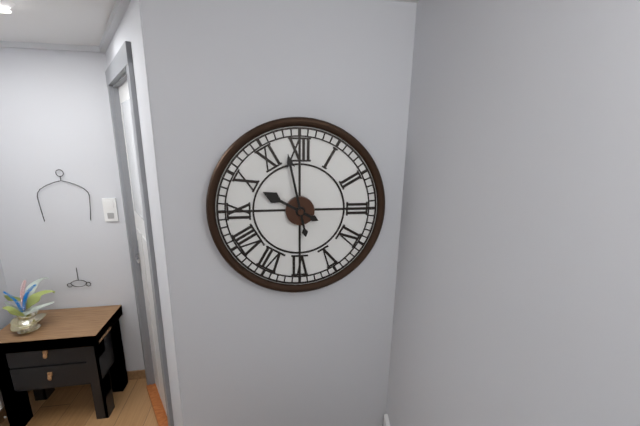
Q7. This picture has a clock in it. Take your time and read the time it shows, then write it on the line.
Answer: 9:58
